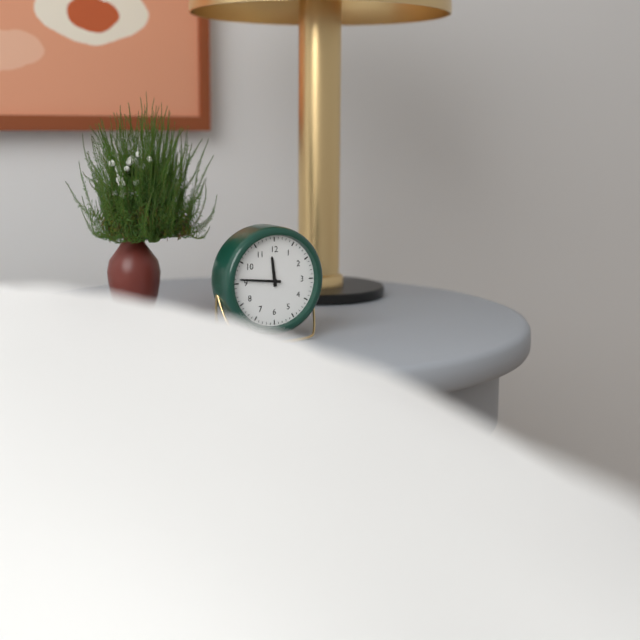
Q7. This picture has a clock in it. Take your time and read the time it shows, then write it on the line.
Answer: 11:46
